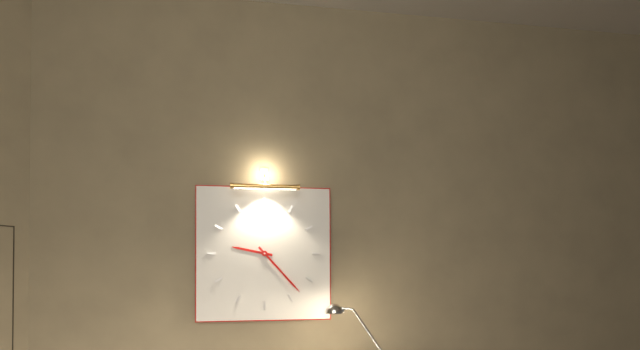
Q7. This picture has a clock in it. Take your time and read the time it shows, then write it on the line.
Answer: 9:23
